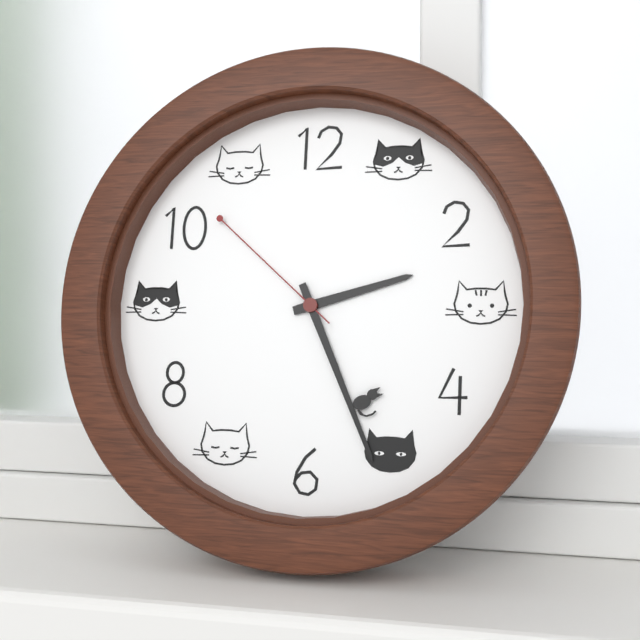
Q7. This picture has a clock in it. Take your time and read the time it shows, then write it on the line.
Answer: 2:26:52
